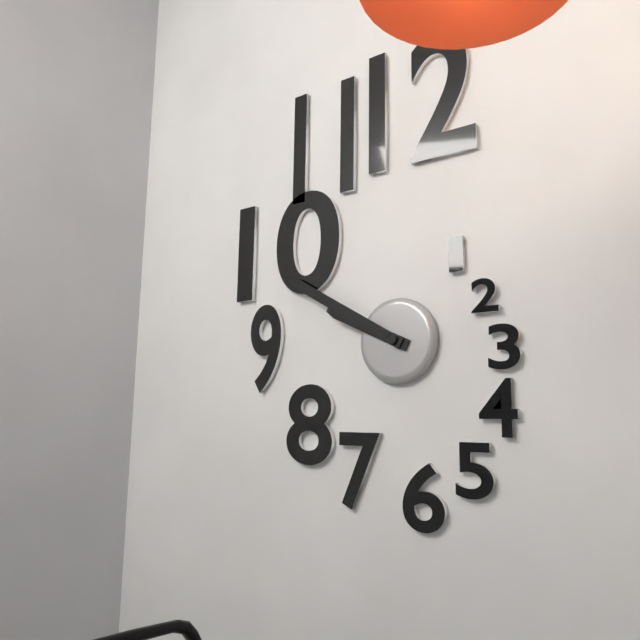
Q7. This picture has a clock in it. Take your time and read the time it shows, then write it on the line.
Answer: 9:50
